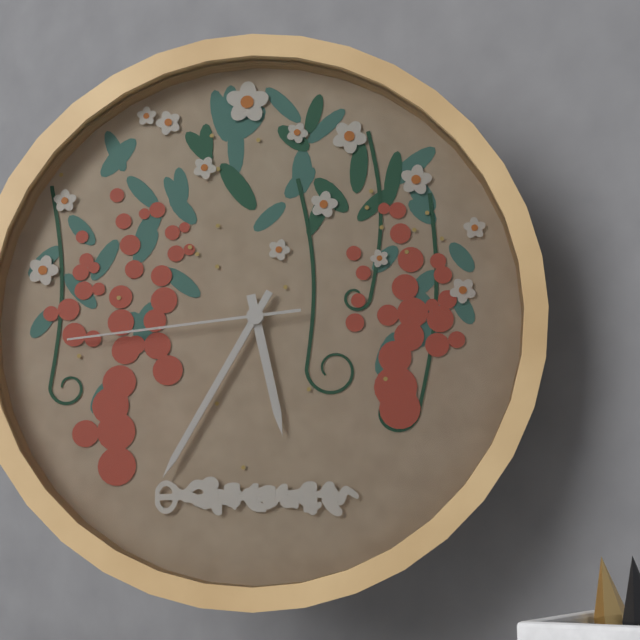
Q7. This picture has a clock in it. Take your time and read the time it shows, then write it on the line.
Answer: 5:35:44
